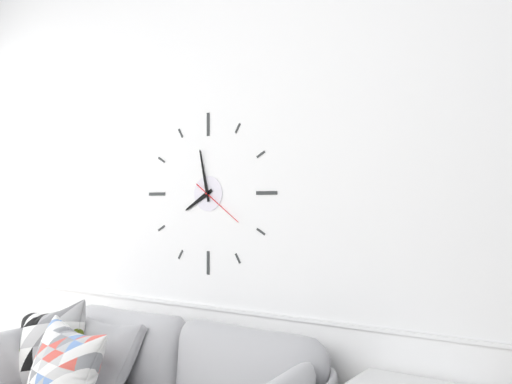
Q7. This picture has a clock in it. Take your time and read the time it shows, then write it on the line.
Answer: 7:58:21
